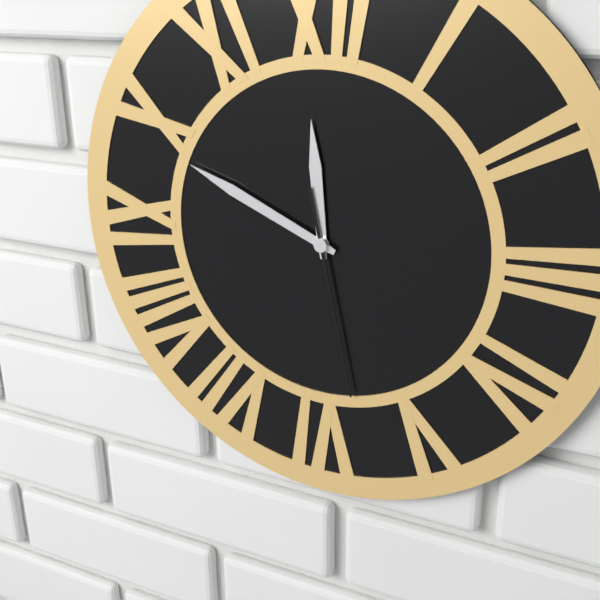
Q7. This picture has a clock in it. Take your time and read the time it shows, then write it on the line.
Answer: 11:49:28
